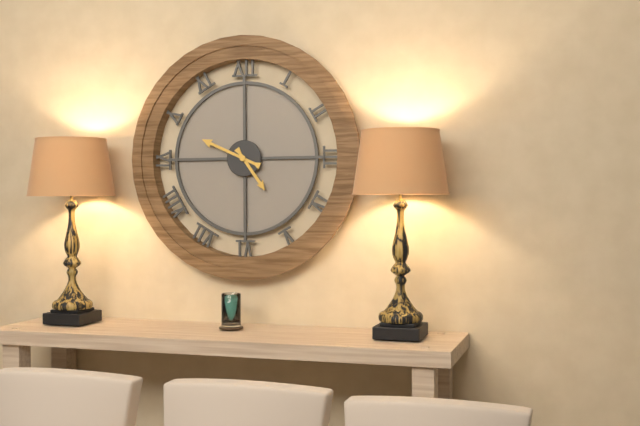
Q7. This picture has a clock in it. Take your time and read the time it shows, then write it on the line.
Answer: 4:49
